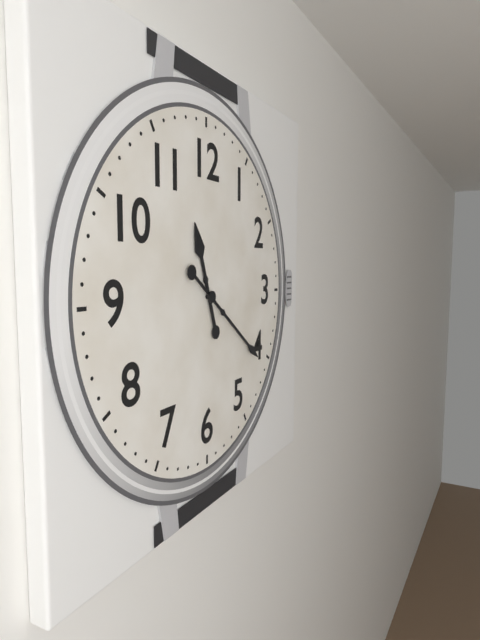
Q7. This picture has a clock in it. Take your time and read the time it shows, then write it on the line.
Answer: 11:21
